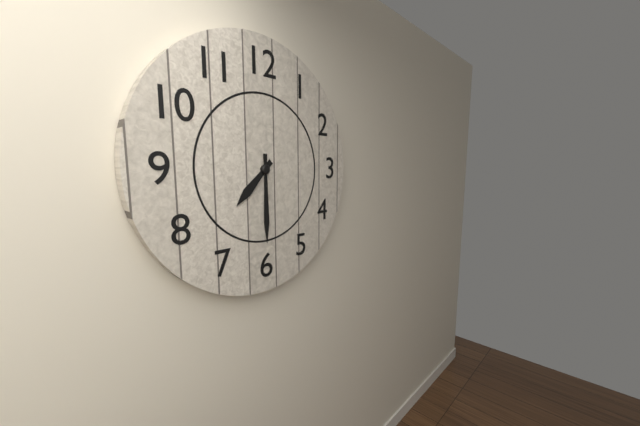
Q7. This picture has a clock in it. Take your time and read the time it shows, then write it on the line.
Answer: 7:30
